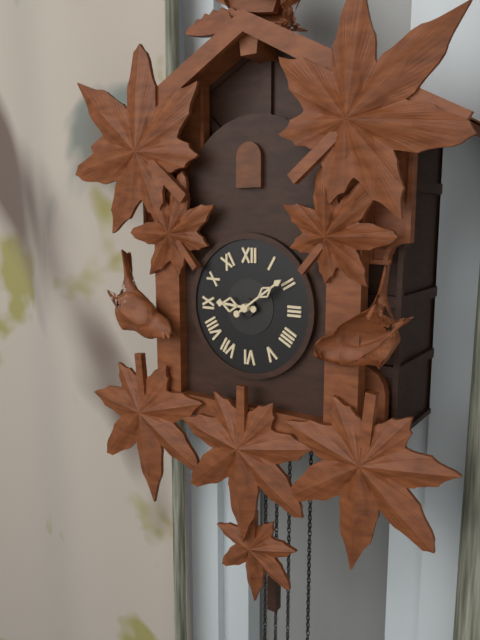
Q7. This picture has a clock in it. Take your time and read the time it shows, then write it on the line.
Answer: 9:09
